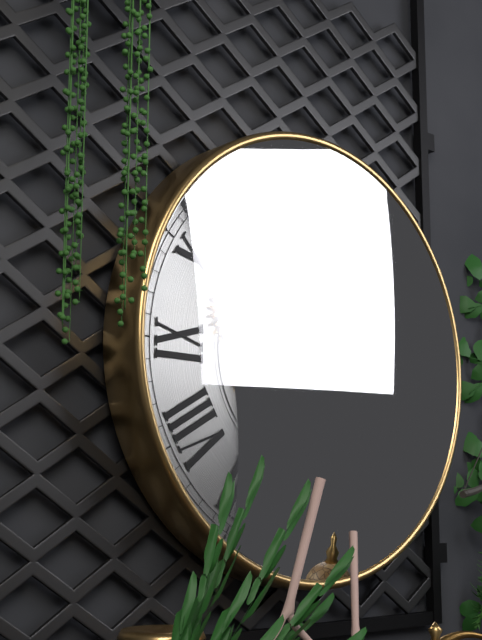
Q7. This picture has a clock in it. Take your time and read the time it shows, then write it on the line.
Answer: 5:11
